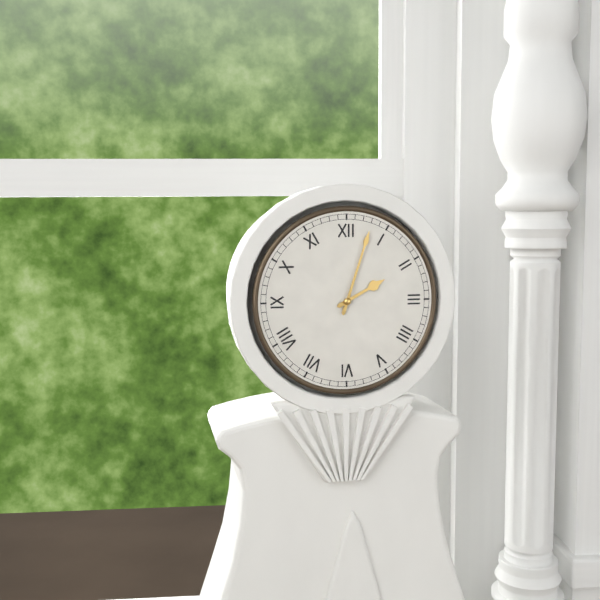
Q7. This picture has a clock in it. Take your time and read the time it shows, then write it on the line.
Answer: 2:03
